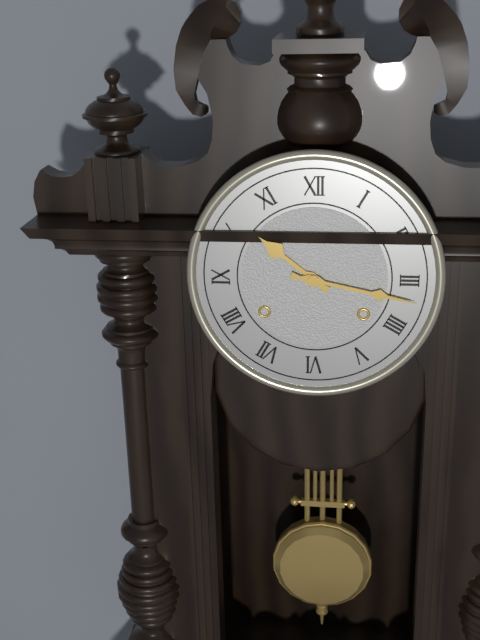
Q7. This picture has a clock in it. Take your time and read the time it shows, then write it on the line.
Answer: 10:17
